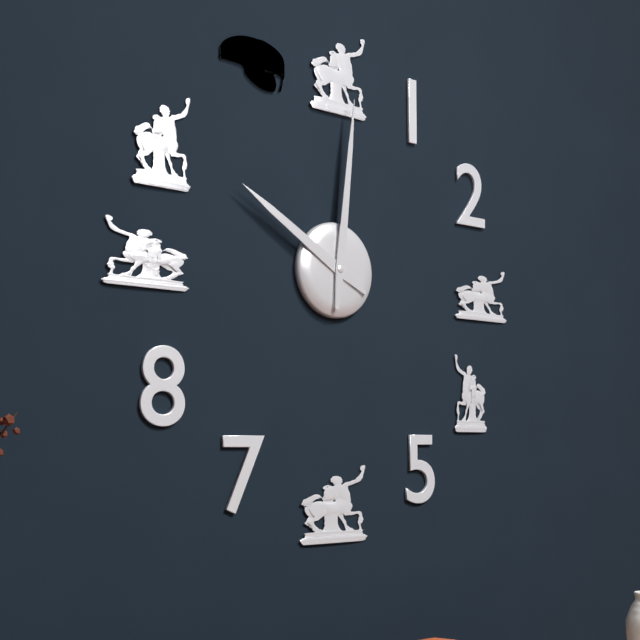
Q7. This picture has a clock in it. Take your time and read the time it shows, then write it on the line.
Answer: 10:01
